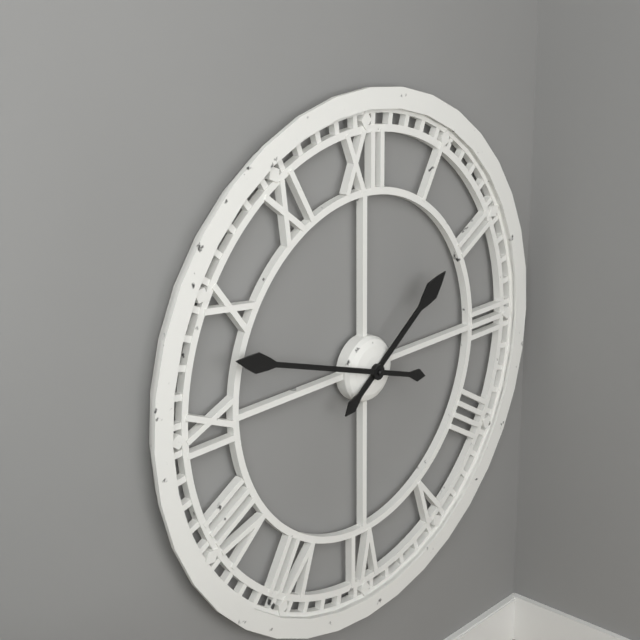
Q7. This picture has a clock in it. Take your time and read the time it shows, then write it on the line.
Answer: 1:48
